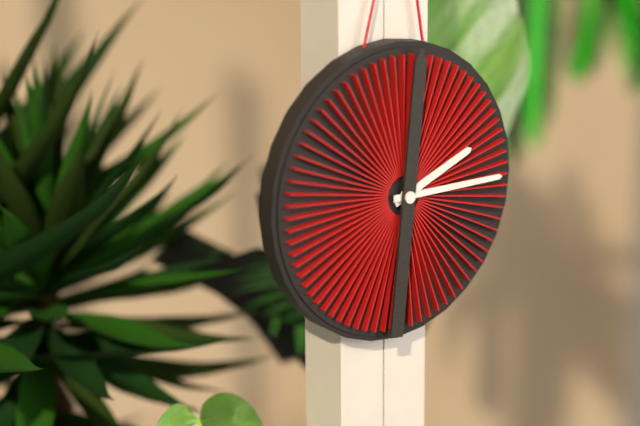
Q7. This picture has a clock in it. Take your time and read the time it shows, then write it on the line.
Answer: 2:15:01
